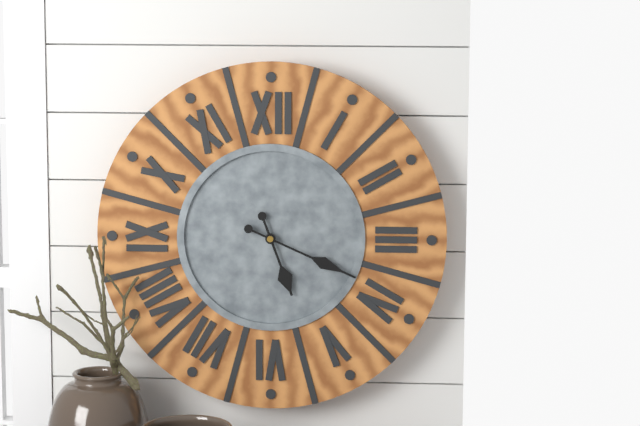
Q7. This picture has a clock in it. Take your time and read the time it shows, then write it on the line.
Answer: 5:19
